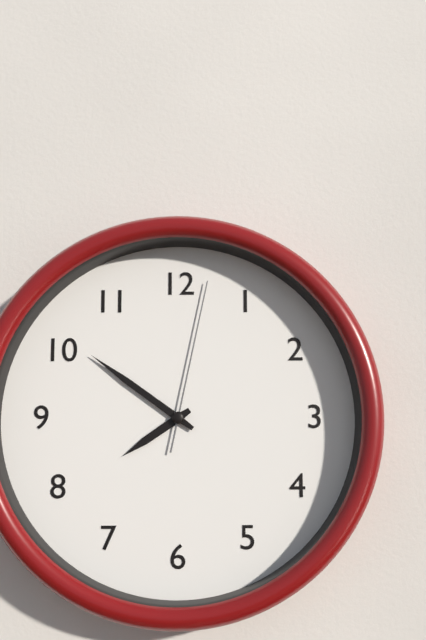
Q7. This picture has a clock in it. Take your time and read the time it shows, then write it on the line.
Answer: 7:51:02
